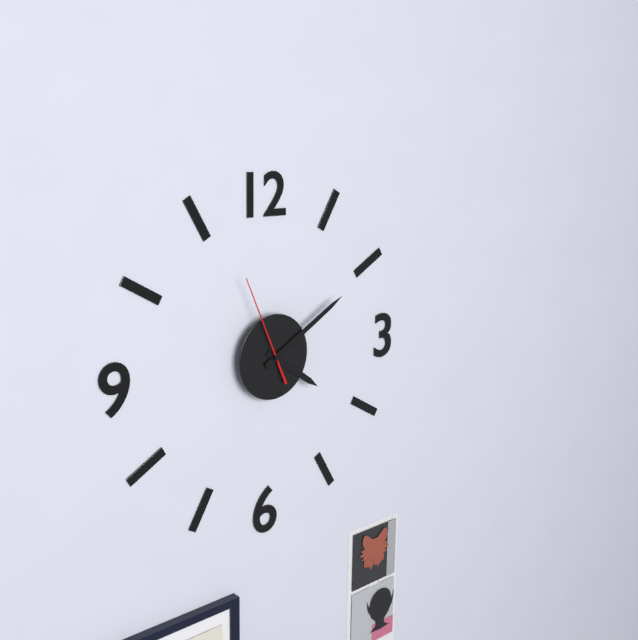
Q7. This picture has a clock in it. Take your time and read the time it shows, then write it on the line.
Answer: 4:10:56
